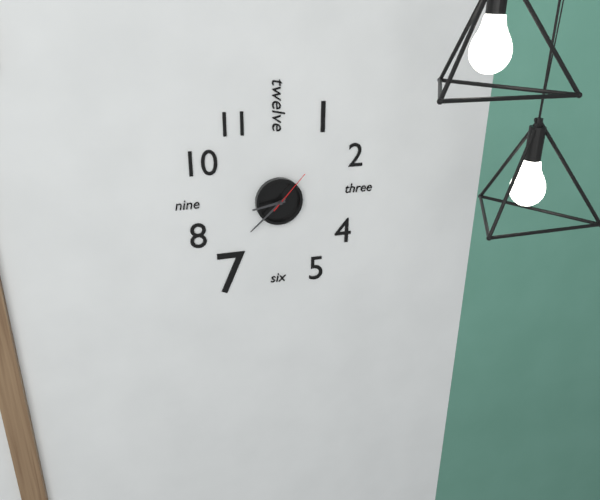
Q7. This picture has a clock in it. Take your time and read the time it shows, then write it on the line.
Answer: 8:38
